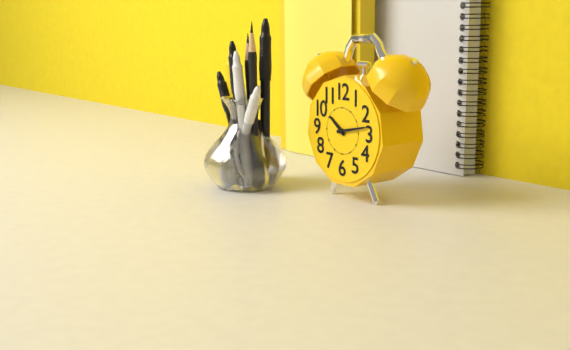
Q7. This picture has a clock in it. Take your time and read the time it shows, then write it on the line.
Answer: 10:13
